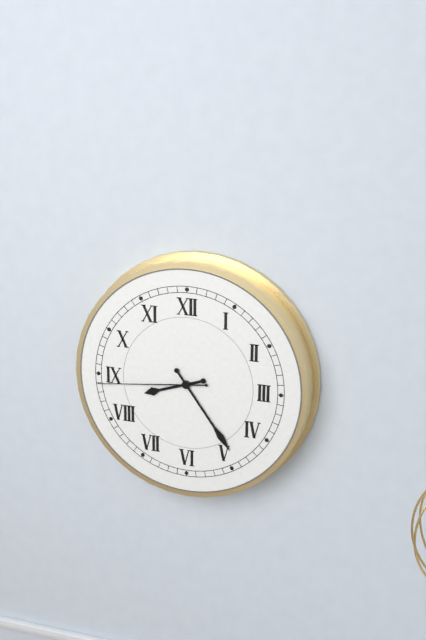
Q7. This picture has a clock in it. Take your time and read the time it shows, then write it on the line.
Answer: 8:24:44
